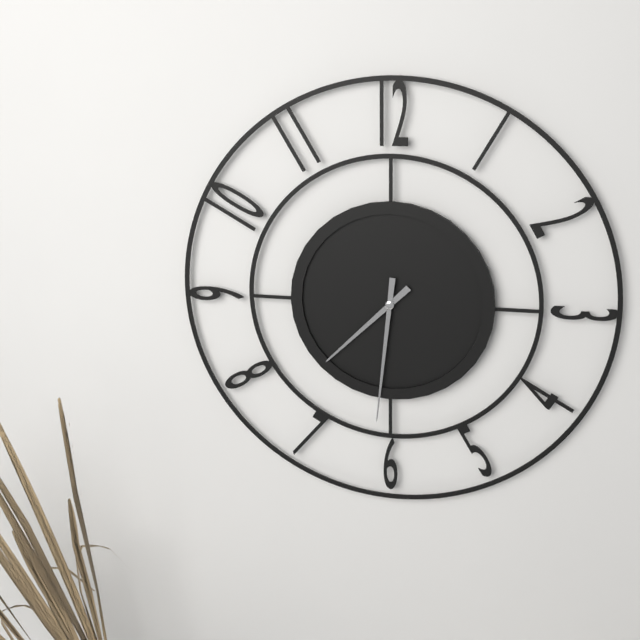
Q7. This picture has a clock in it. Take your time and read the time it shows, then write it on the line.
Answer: 7:31
